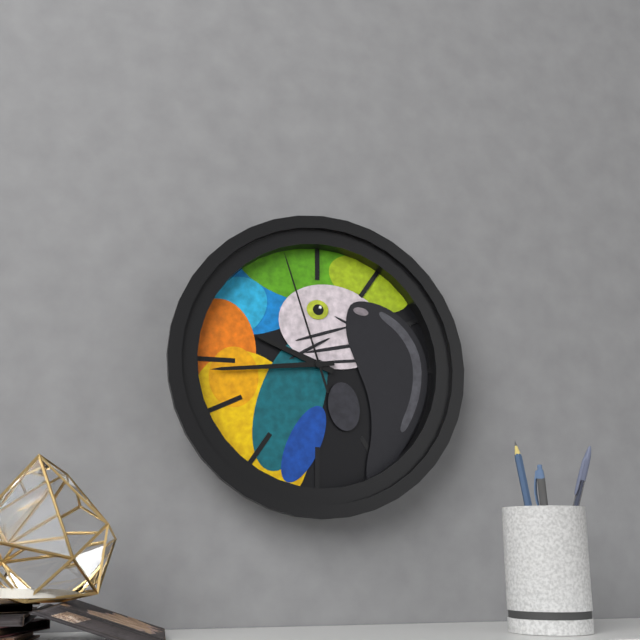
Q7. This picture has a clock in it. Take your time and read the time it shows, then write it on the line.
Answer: 9:44:57
